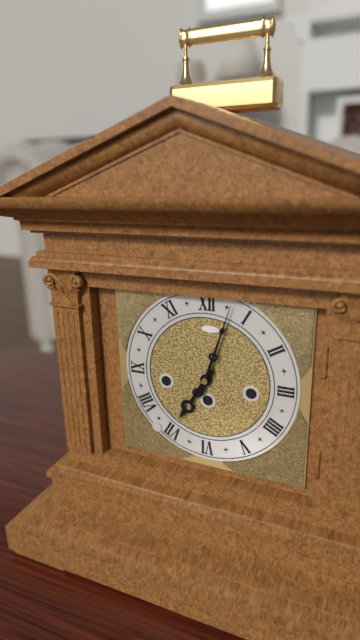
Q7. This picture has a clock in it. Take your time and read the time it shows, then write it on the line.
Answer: 7:03
